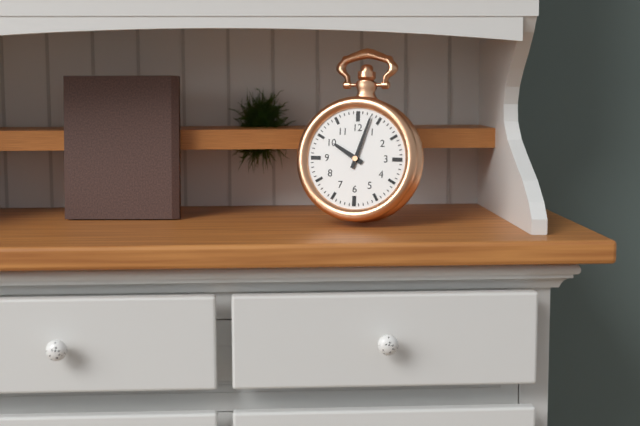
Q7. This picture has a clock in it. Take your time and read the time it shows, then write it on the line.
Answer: 10:03
